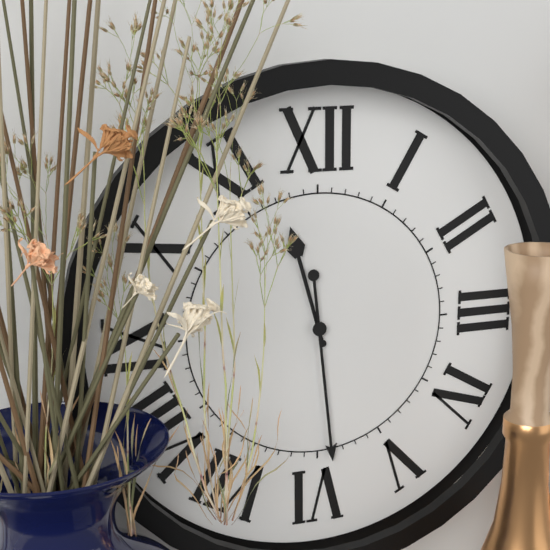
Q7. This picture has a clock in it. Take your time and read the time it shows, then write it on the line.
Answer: 11:29
